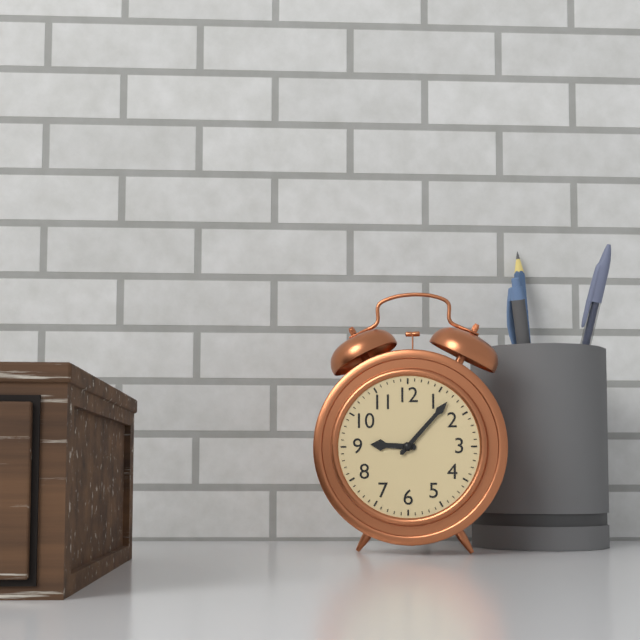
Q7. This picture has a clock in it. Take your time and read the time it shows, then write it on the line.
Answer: 9:07
